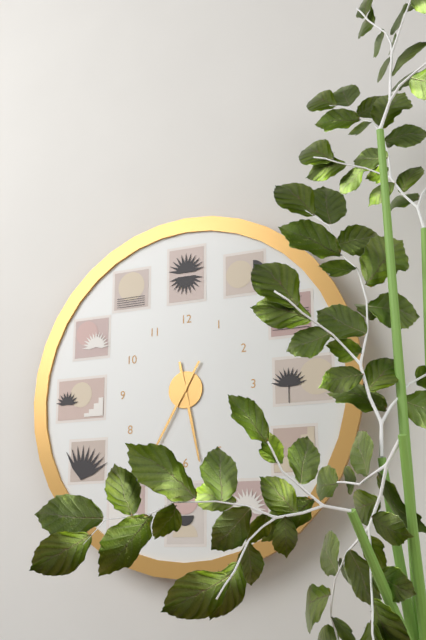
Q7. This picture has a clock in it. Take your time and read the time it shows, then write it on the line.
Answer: 5:35
